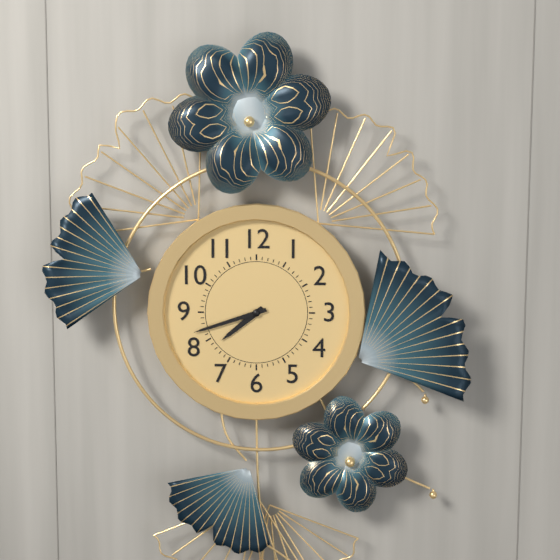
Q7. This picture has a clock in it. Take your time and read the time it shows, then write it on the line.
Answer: 7:42
